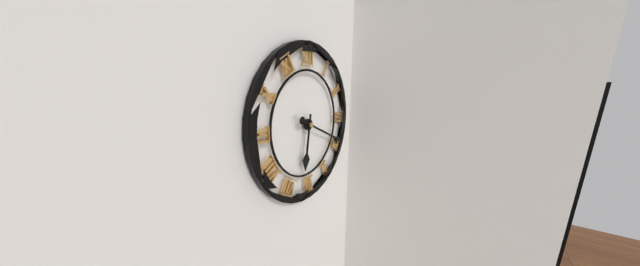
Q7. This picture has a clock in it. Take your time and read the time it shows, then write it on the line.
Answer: 6:19
